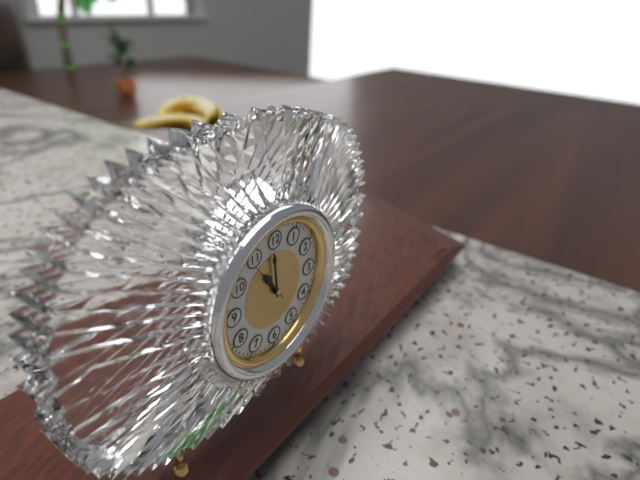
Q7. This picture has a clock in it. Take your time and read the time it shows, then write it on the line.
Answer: 10:59
